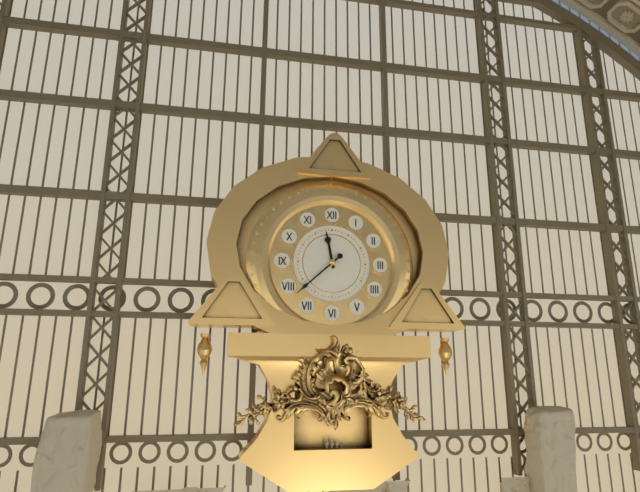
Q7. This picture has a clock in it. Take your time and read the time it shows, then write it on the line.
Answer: 11:38
